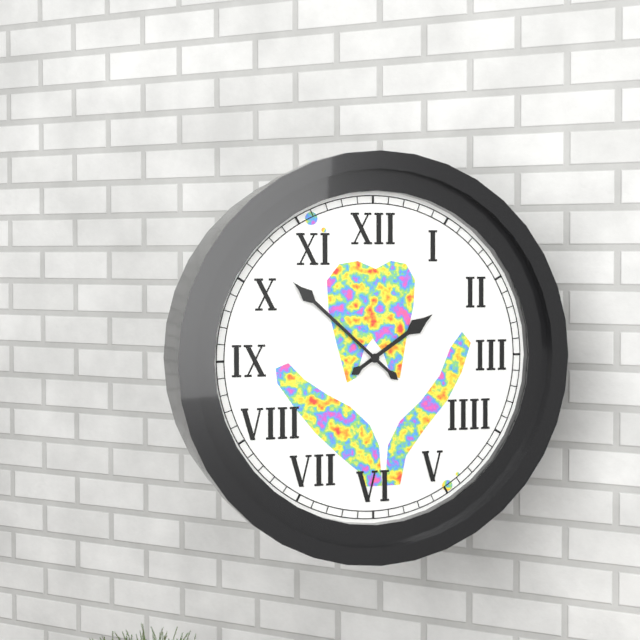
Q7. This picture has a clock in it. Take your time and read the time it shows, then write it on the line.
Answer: 1:52
